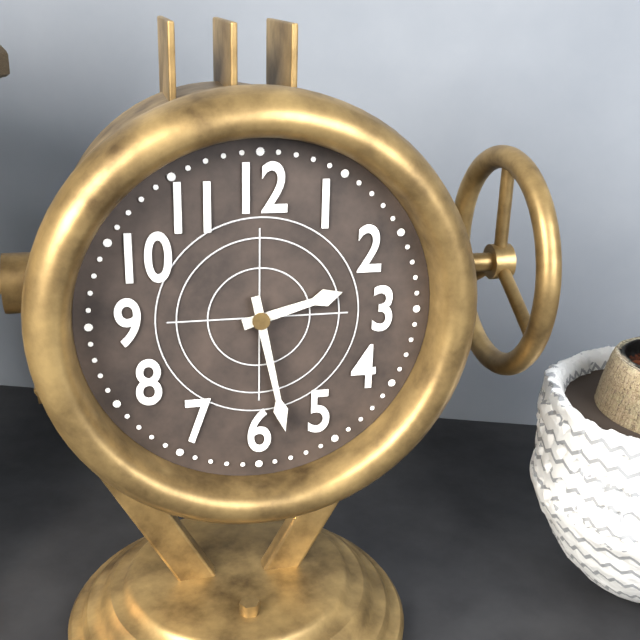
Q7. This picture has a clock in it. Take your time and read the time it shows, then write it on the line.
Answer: 2:28
